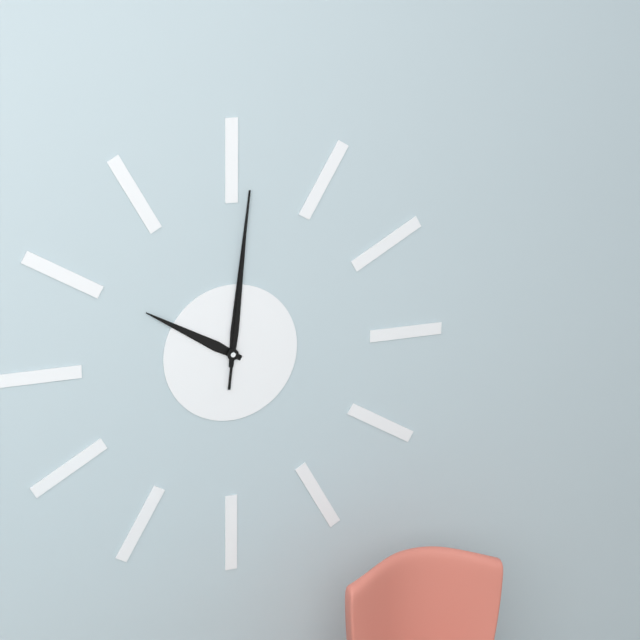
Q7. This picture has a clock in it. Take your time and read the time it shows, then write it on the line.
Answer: 10:01:01
